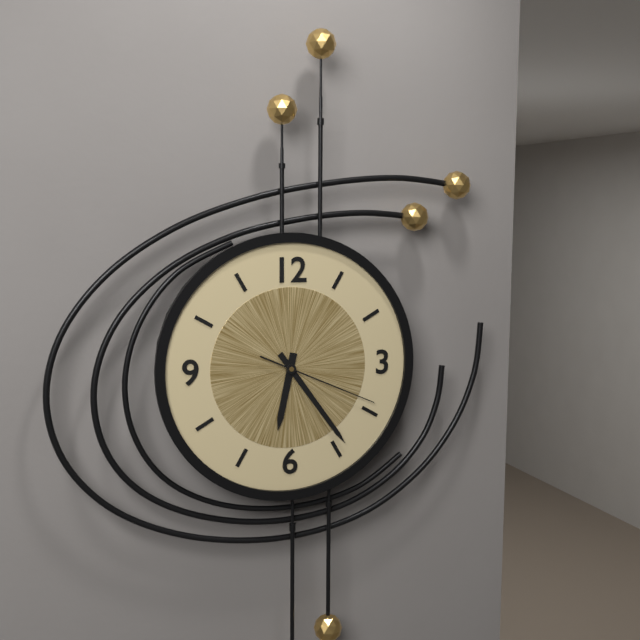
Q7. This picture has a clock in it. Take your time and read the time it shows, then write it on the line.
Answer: 6:24:19
